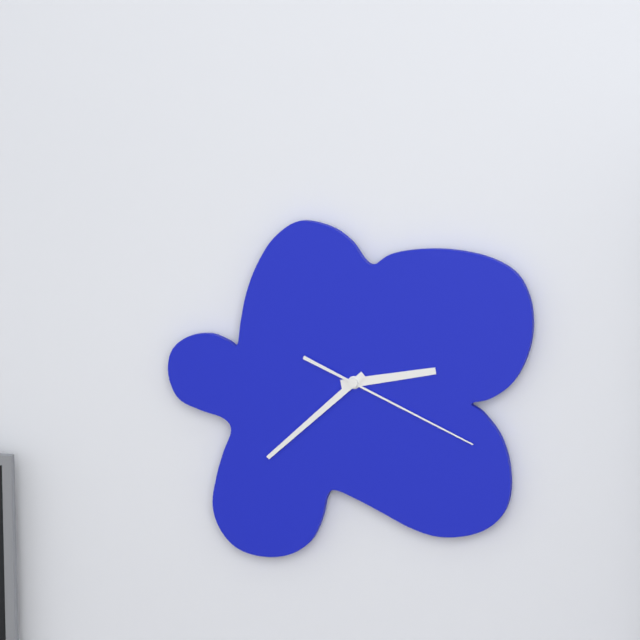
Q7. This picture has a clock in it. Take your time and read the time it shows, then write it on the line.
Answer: 2:38:19
